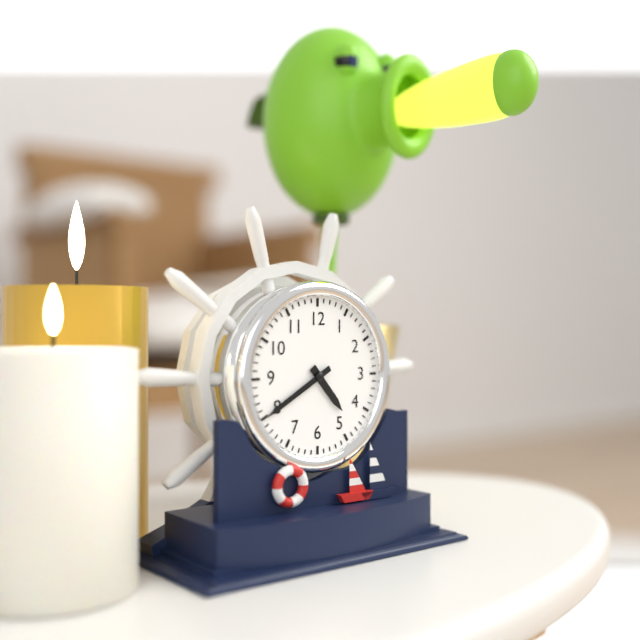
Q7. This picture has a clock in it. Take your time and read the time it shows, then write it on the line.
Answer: 4:40
